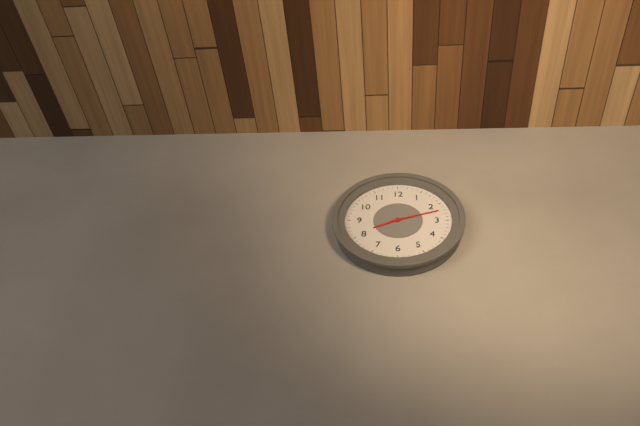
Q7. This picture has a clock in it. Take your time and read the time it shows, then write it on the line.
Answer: 8:12
